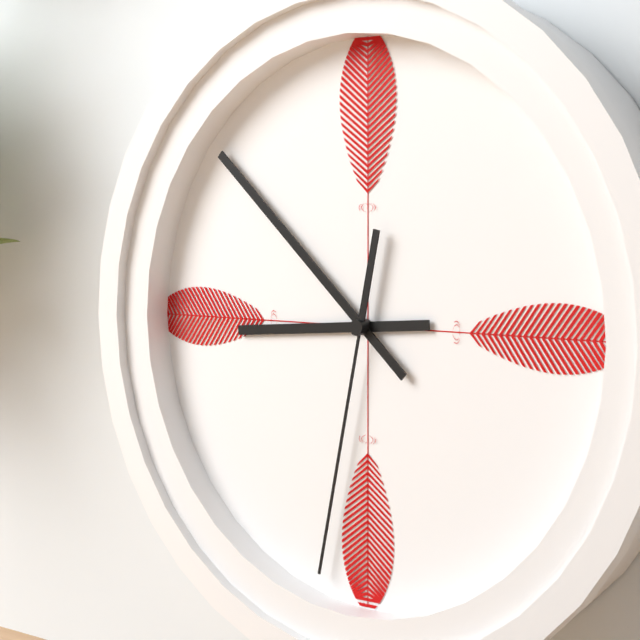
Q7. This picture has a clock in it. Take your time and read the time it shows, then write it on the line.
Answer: 8:52:32
